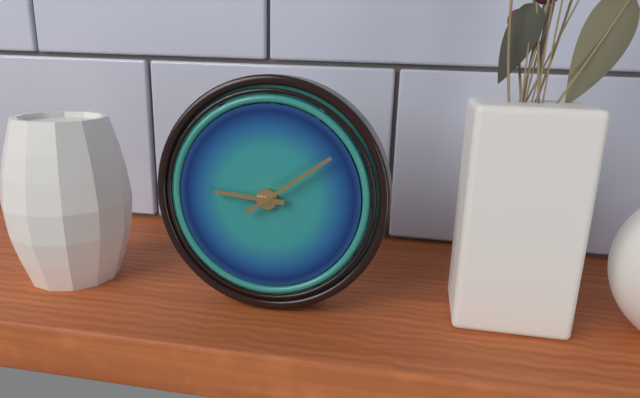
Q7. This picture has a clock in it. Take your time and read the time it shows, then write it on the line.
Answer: 9:09
